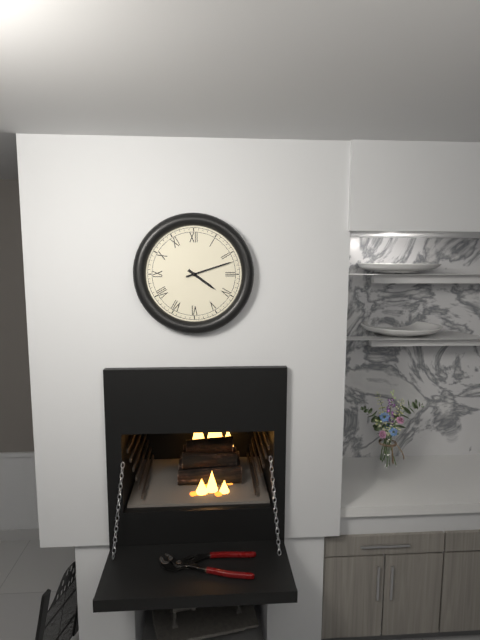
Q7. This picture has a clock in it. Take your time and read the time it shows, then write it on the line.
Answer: 4:12
